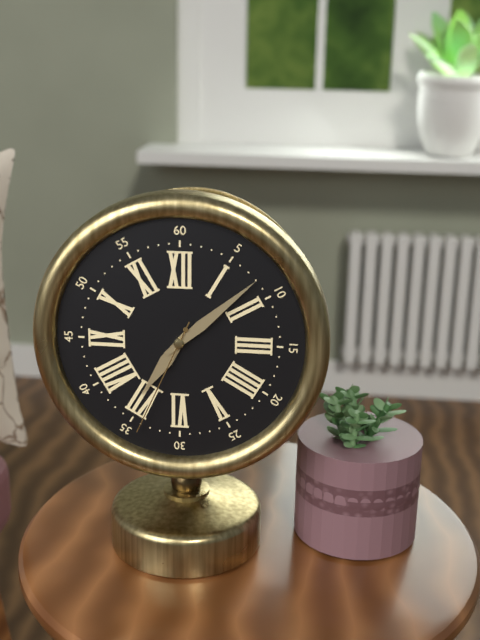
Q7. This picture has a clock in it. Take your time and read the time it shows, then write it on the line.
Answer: 7:08:34
